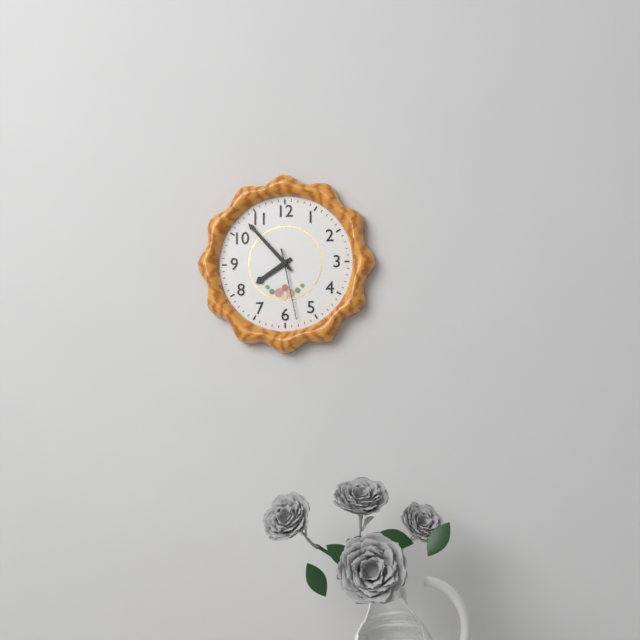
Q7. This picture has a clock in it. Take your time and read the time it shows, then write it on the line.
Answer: 7:53:28
